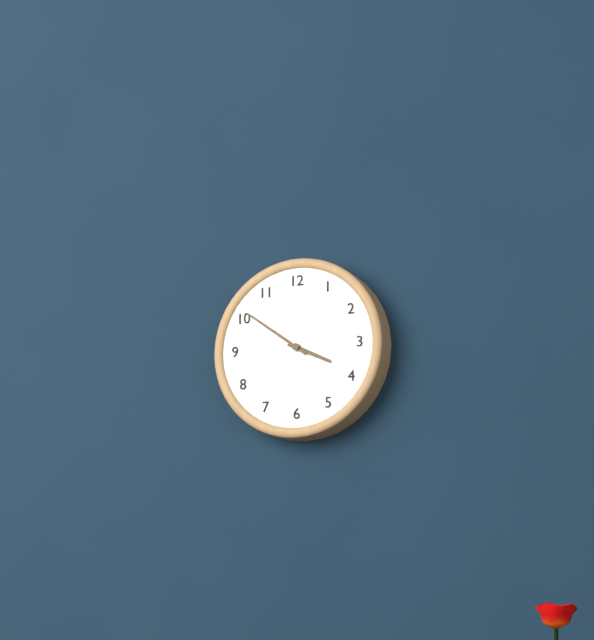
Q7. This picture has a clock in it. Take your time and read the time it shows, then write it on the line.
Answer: 3:51
